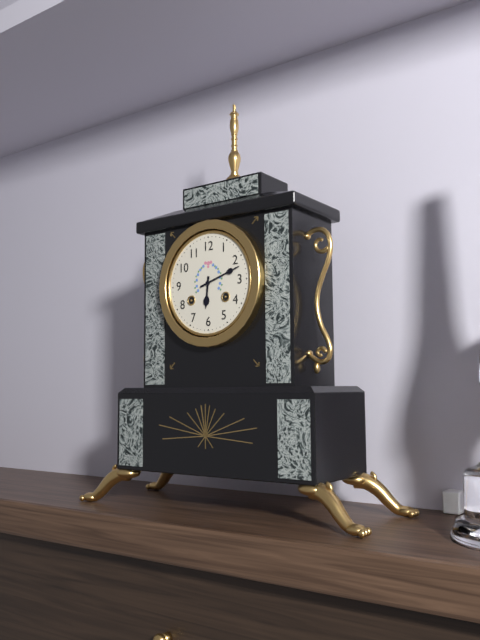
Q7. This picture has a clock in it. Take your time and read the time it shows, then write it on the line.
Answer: 6:12
